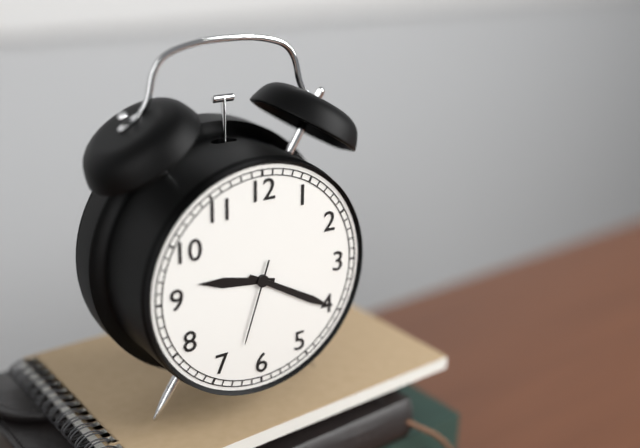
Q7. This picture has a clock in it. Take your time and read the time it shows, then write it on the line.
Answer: 9:20:33
